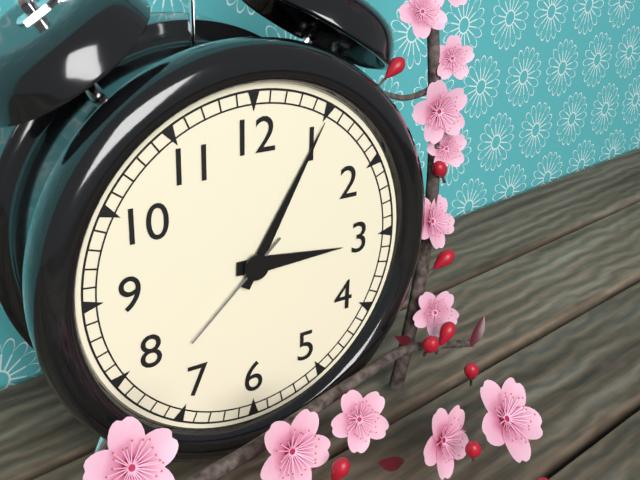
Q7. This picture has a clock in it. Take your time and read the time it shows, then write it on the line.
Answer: 3:05:38
